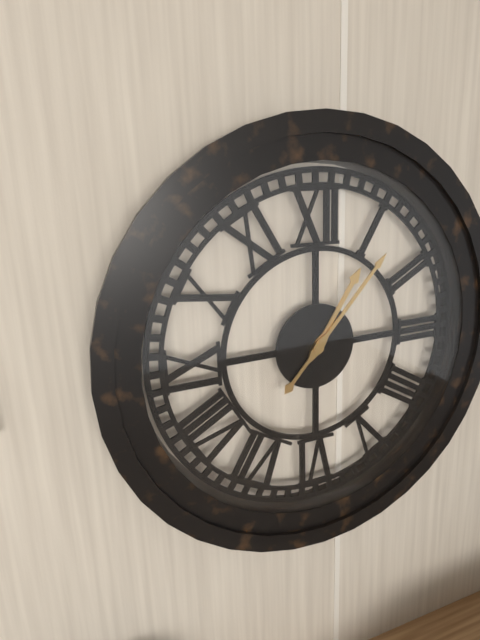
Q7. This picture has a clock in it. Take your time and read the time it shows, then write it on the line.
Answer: 1:07
